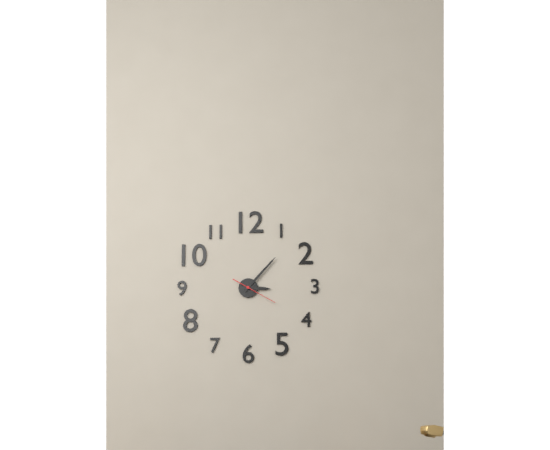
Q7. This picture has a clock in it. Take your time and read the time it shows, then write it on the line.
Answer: 3:07
